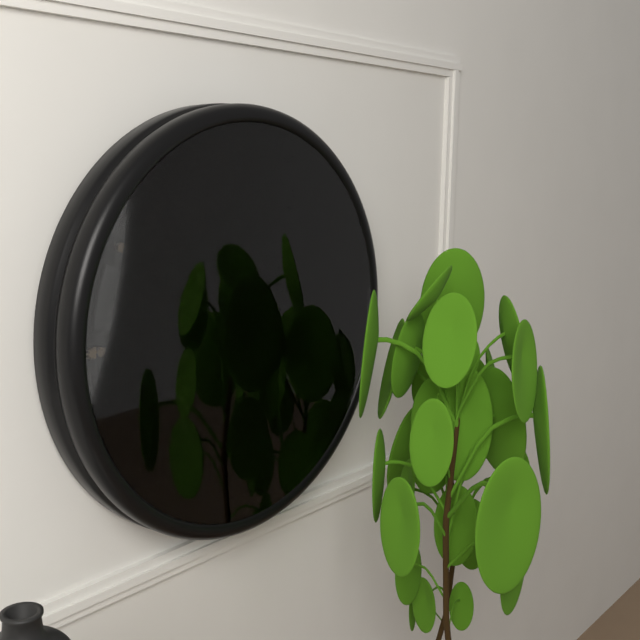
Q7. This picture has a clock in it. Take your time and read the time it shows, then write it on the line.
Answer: 9:55
